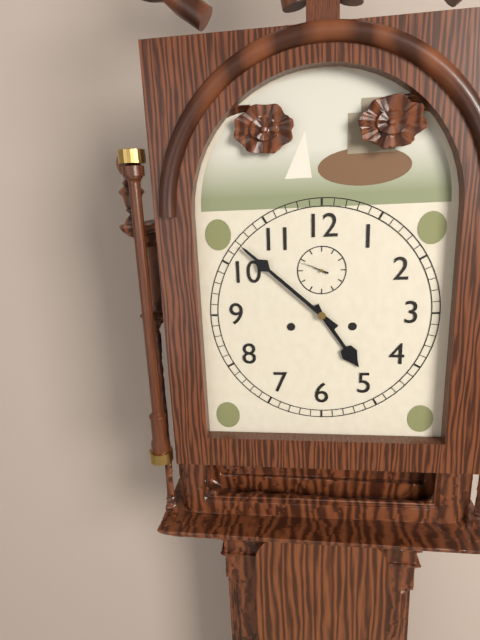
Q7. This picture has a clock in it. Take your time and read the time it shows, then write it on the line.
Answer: 4:52
